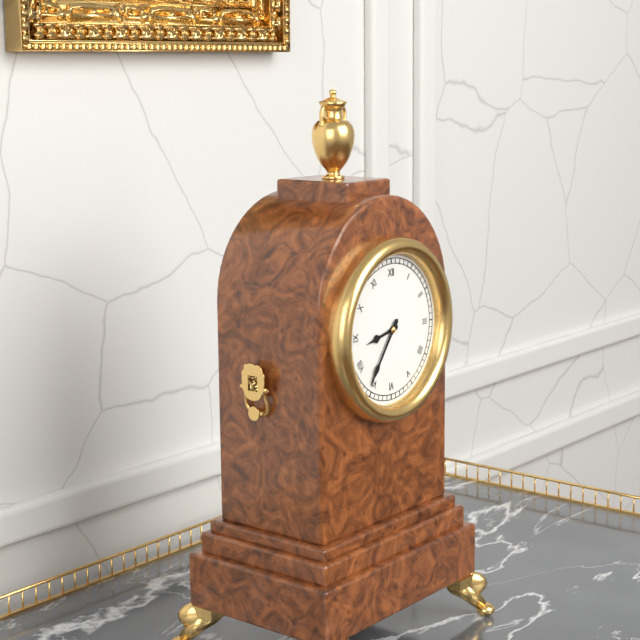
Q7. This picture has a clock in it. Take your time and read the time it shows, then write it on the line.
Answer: 8:36
